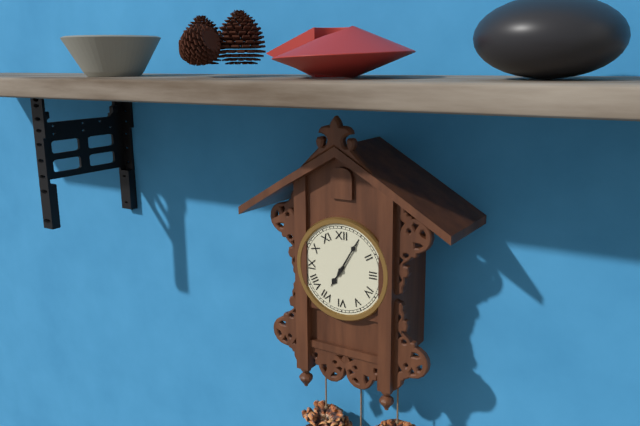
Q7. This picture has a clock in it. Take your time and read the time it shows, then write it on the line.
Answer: 7:05
